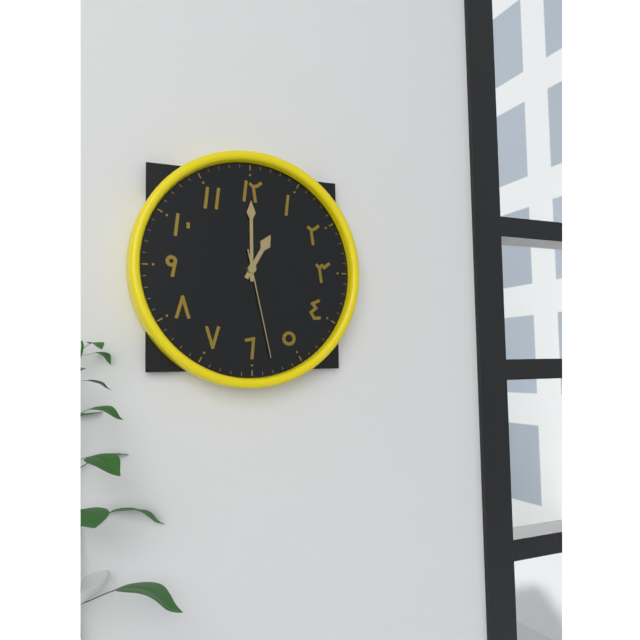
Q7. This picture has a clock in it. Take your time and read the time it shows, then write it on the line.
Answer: 1:00:28
